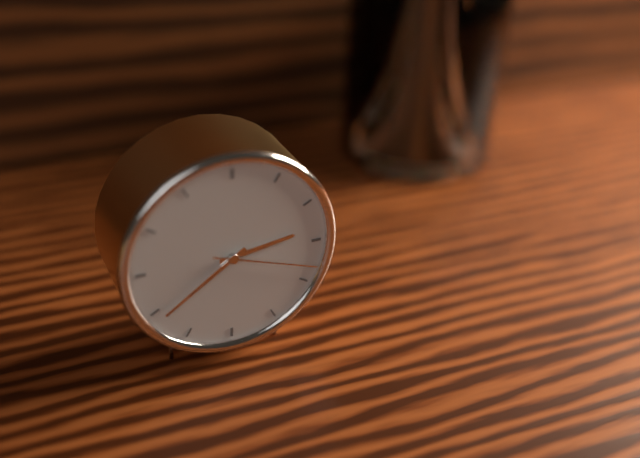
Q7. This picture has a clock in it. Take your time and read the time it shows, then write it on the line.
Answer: 2:39:18
